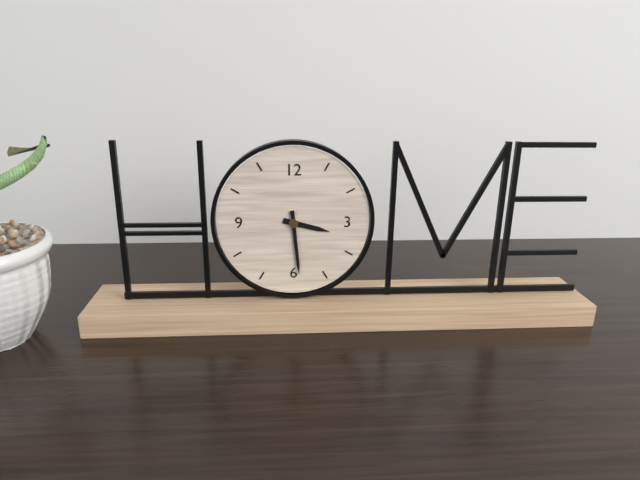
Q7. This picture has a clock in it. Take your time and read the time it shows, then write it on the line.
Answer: 3:29
